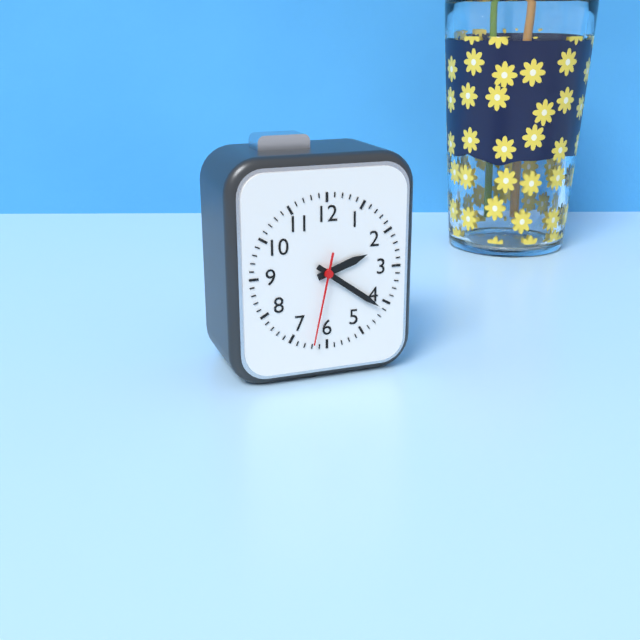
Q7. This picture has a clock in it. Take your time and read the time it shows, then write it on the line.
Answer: 2:21:32
